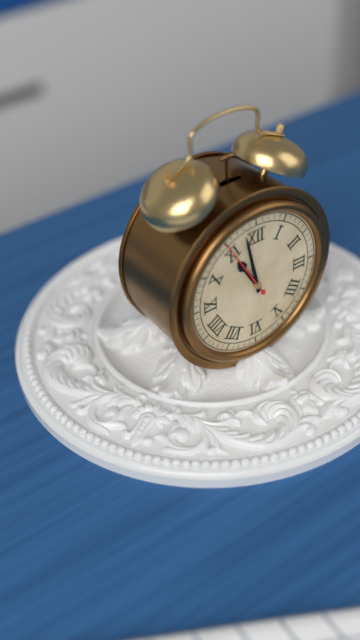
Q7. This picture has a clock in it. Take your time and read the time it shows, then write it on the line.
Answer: 10:58:55
